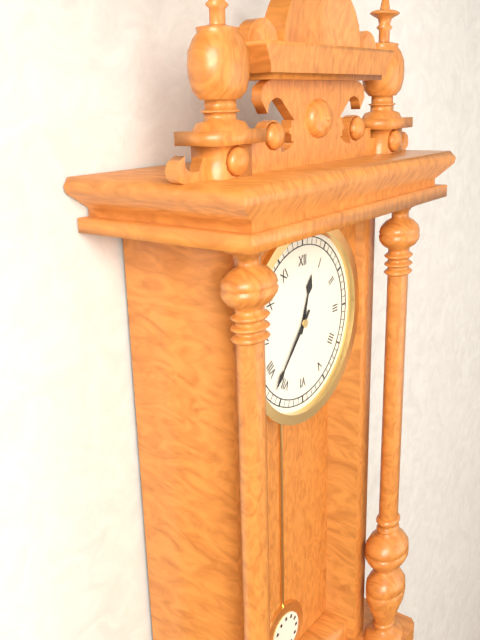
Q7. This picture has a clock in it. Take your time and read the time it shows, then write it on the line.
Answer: 12:37
